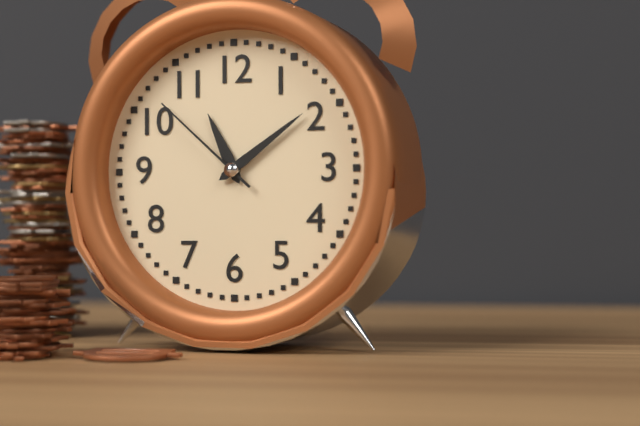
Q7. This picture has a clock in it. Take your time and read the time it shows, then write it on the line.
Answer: 11:09:52
